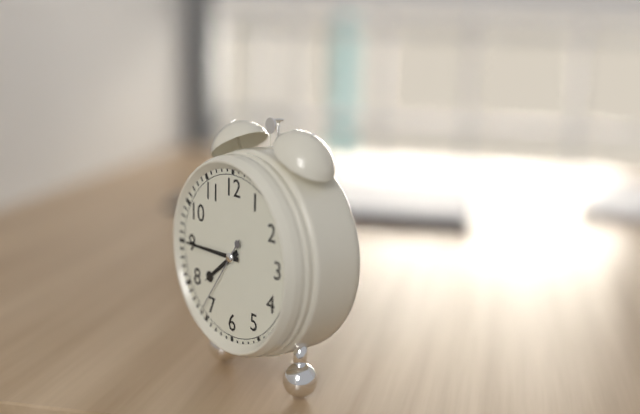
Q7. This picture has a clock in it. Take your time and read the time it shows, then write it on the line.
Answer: 7:45:36
